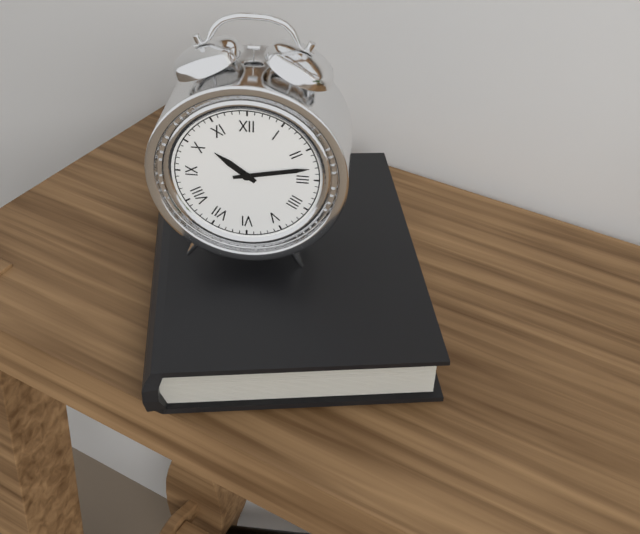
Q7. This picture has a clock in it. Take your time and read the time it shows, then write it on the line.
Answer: 10:13
